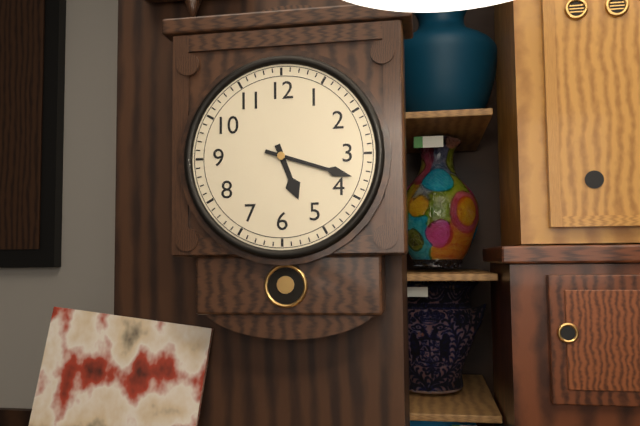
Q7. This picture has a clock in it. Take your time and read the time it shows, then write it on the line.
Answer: 5:18
